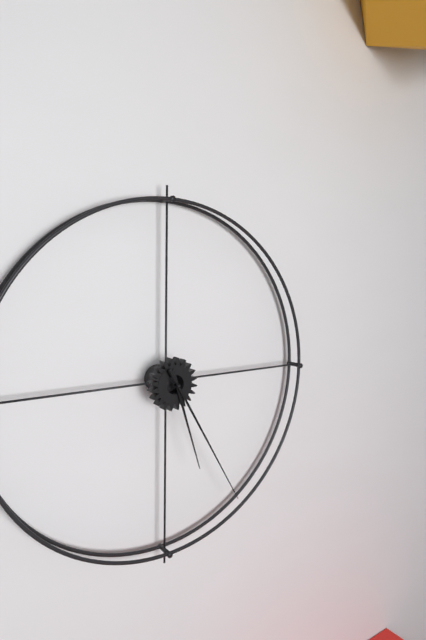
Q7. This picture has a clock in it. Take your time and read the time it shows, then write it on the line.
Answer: 5:25
